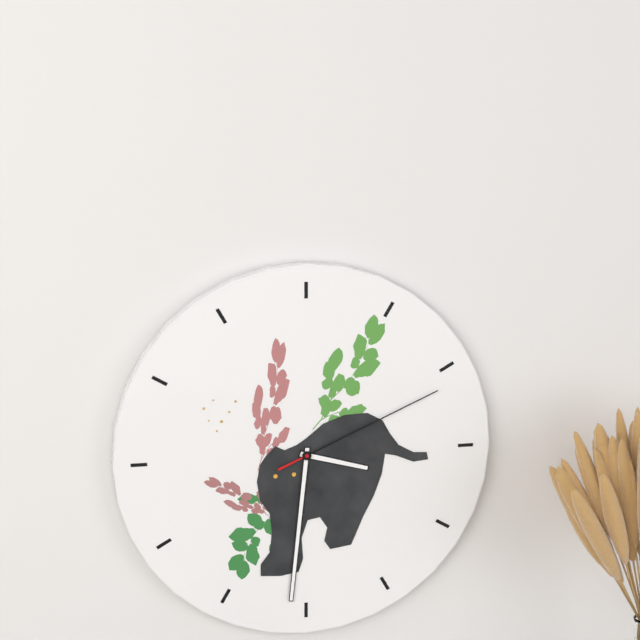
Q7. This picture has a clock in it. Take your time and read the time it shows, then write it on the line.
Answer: 3:31:11
